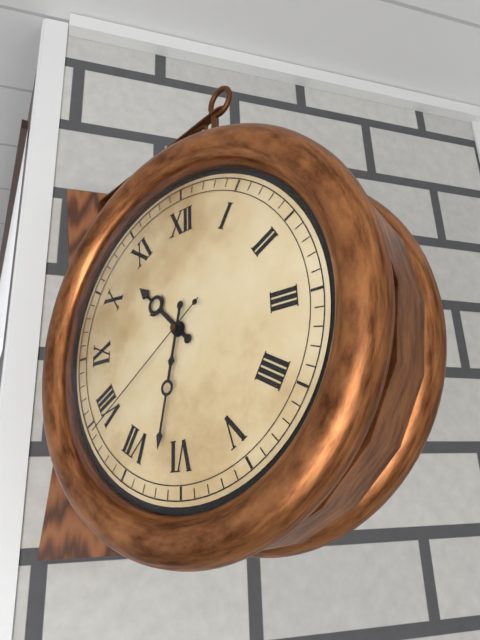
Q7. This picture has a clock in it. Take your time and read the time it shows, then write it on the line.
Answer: 10:32:39
